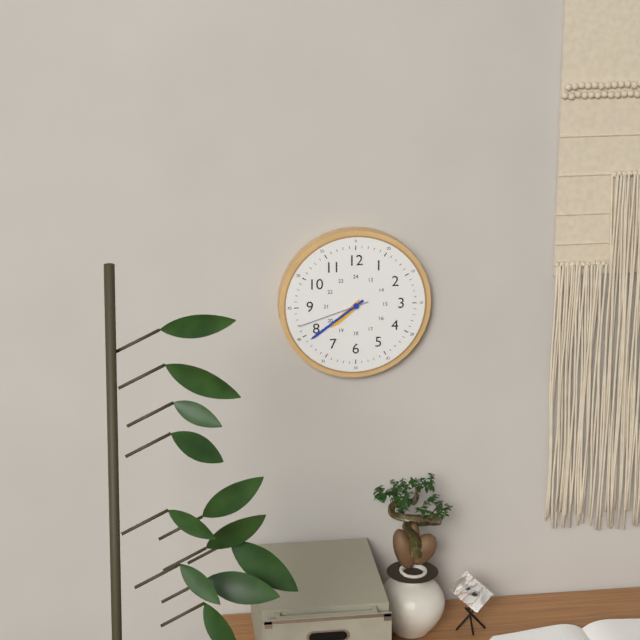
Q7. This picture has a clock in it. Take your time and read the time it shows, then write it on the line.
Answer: 7:39:42
